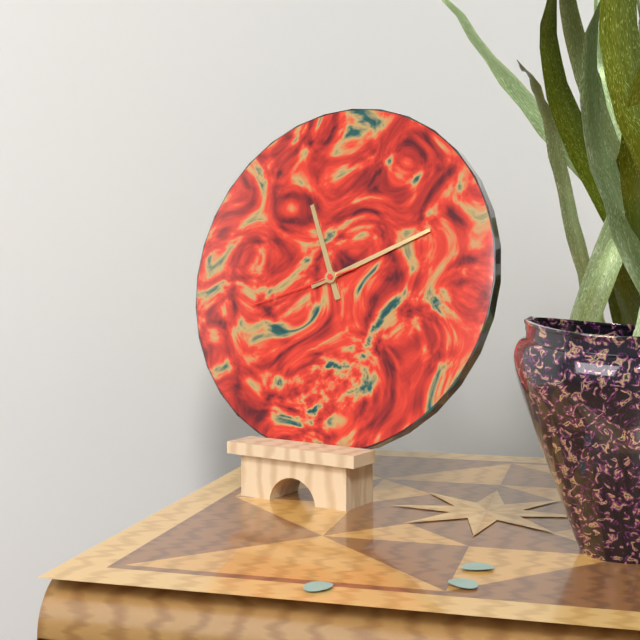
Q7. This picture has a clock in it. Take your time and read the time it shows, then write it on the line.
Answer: 11:11:42
